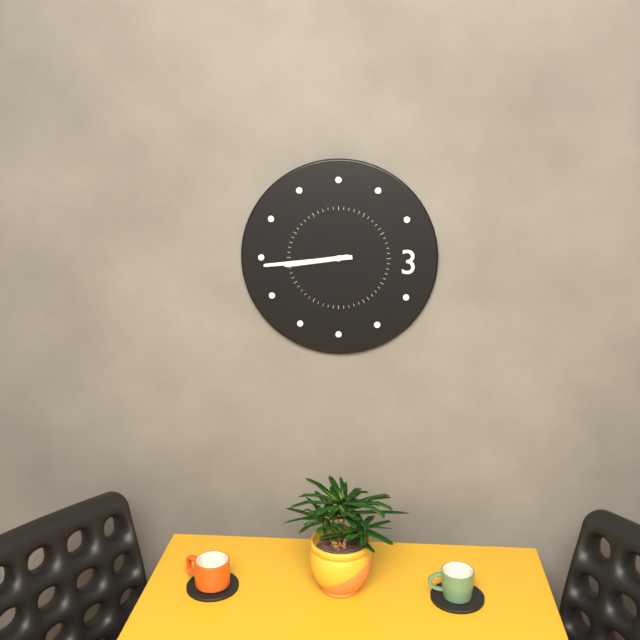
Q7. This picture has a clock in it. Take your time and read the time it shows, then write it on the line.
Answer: 8:44
